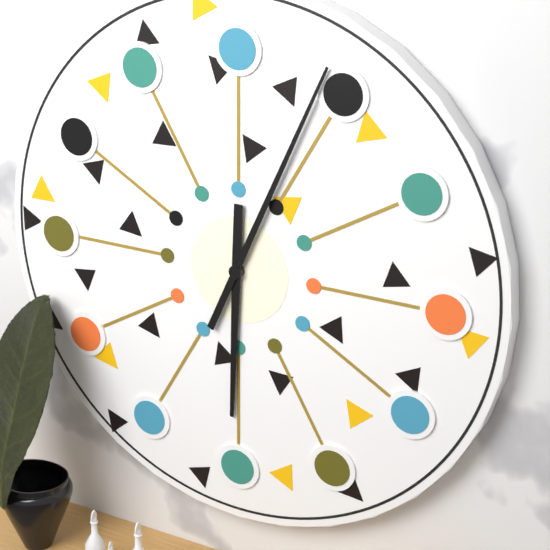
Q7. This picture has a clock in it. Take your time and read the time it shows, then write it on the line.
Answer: 6:04
